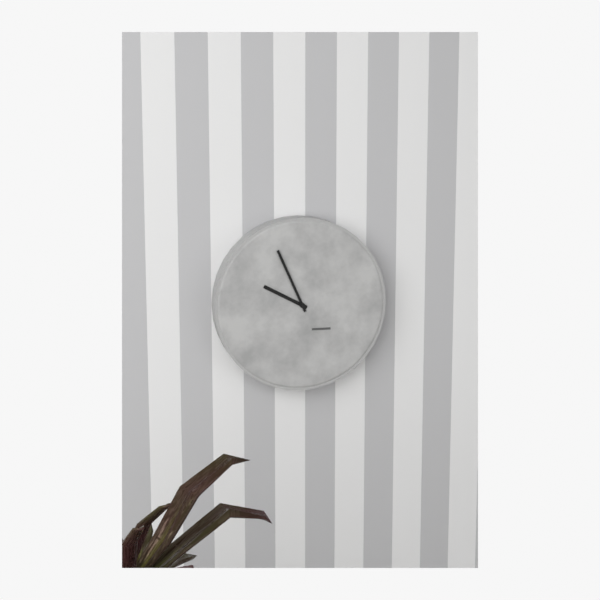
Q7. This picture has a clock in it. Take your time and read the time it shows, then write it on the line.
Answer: 9:56
